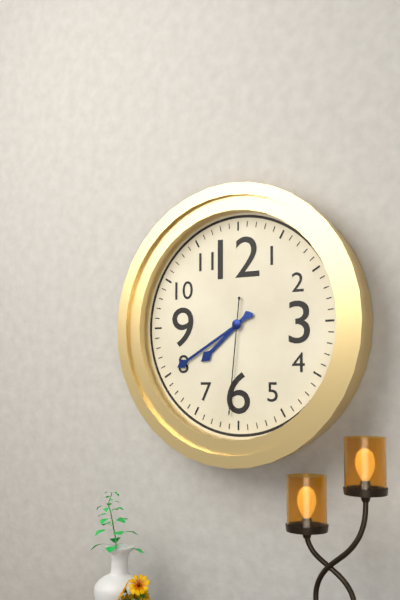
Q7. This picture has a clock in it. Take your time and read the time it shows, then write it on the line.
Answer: 7:40:31
